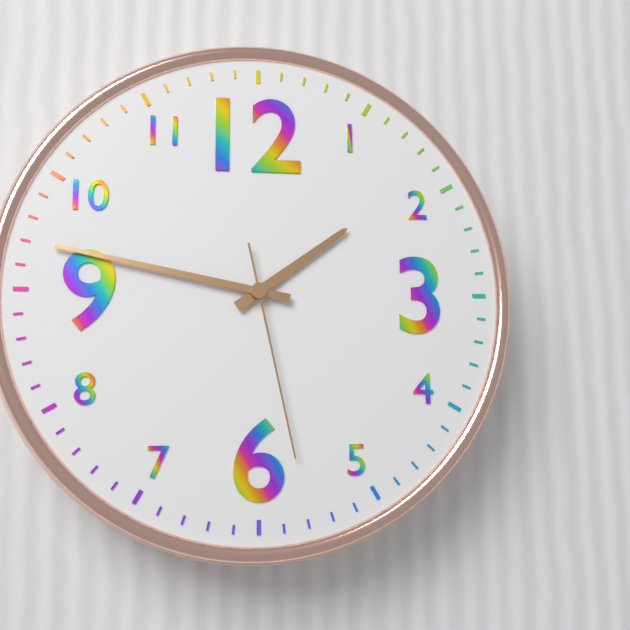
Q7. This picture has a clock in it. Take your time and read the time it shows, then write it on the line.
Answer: 1:47:28
